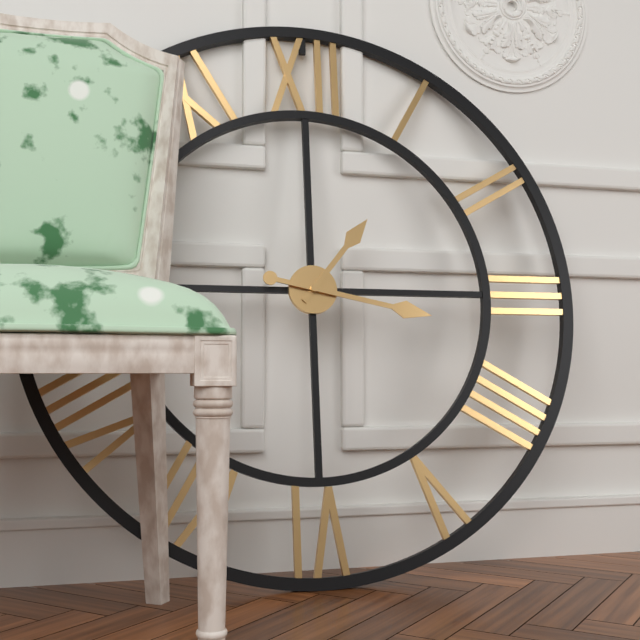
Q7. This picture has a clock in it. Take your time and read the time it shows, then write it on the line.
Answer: 1:17
